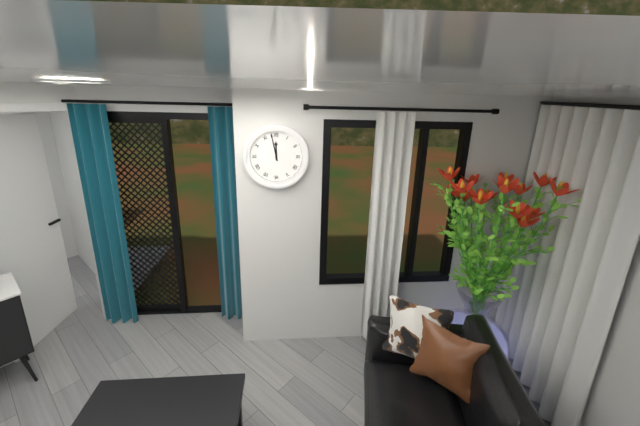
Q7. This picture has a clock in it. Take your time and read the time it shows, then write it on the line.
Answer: 11:58
